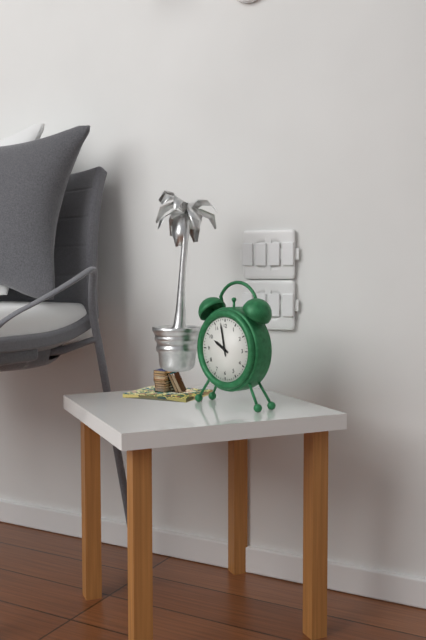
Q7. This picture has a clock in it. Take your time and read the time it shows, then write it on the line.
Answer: 9:58
